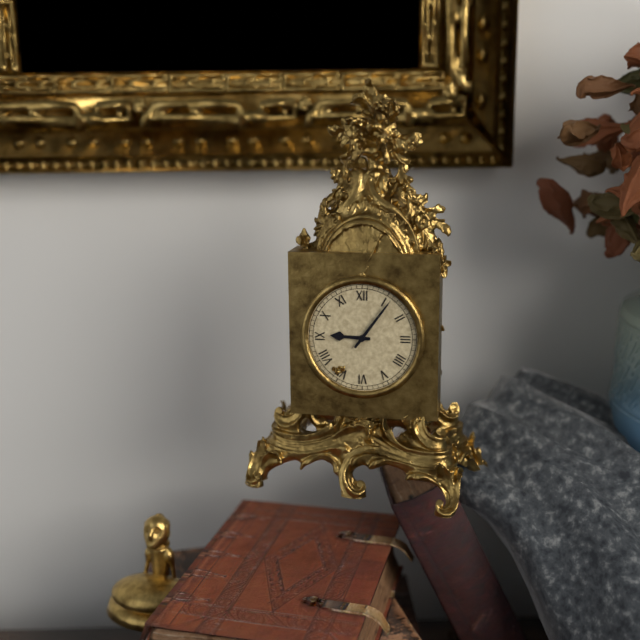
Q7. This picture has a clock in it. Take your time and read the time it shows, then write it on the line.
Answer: 9:06
